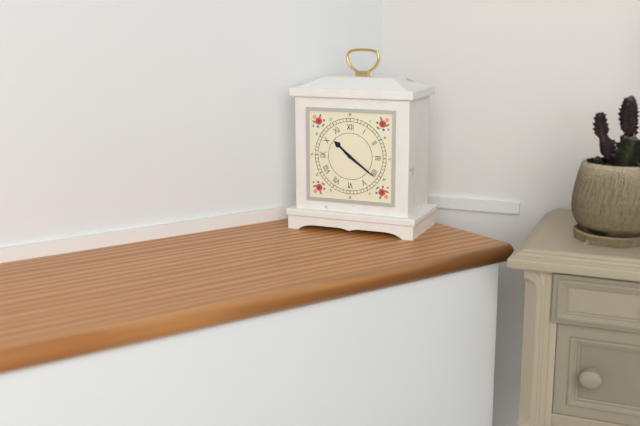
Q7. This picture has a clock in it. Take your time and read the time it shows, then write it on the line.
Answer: 10:21
